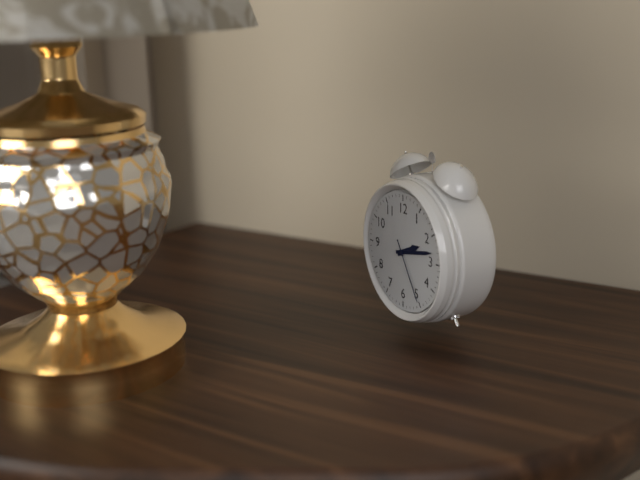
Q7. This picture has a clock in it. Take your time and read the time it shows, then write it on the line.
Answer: 2:13:25
